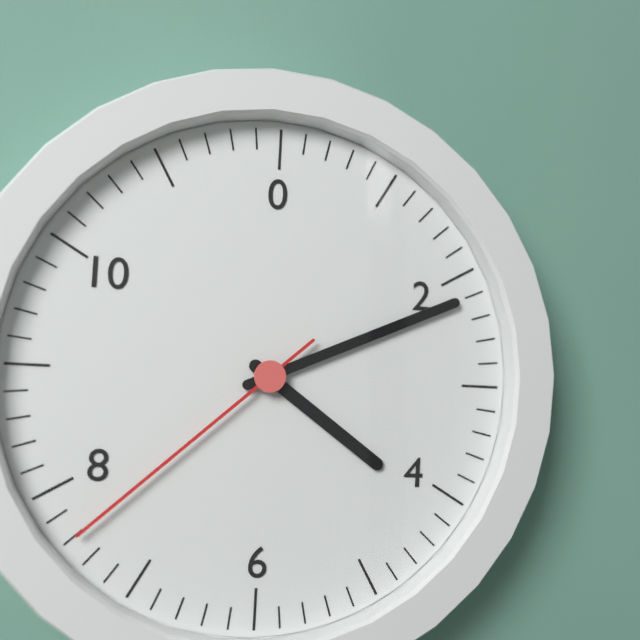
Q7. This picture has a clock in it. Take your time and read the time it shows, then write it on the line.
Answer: 4:11:38
